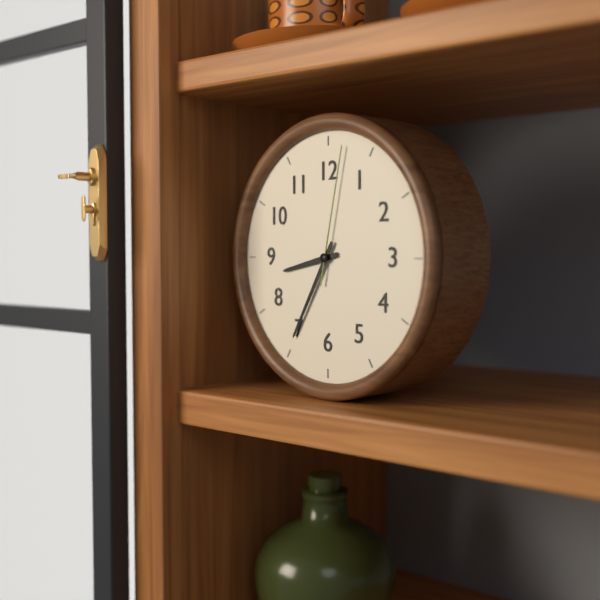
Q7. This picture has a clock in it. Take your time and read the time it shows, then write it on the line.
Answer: 8:35:02
